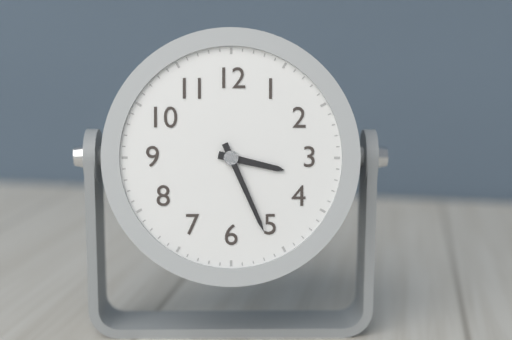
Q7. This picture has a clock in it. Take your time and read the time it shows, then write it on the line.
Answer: 3:26
